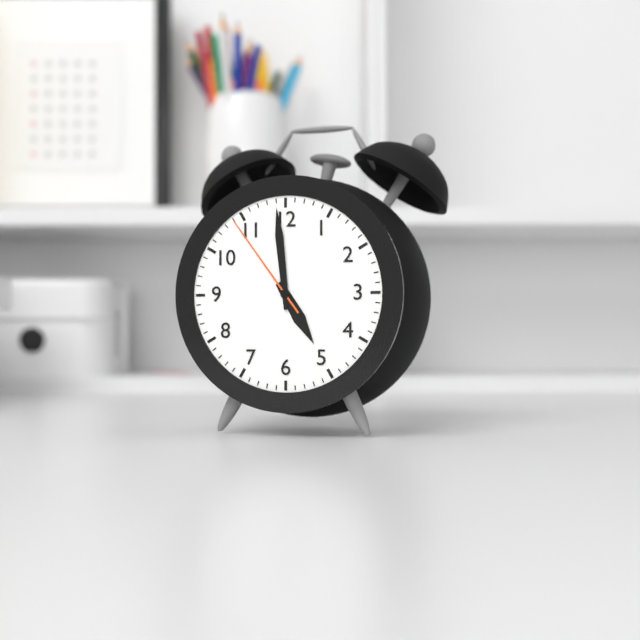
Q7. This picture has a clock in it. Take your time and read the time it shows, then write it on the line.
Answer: 4:59:54
